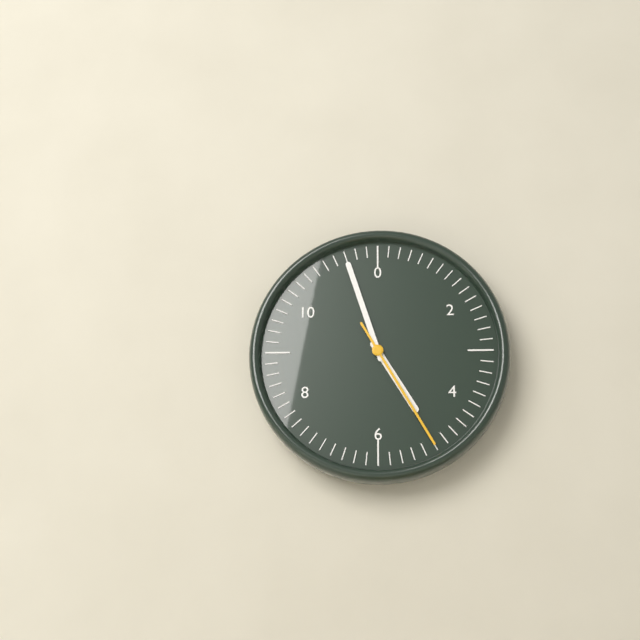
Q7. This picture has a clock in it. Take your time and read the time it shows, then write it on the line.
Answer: 4:57:25
